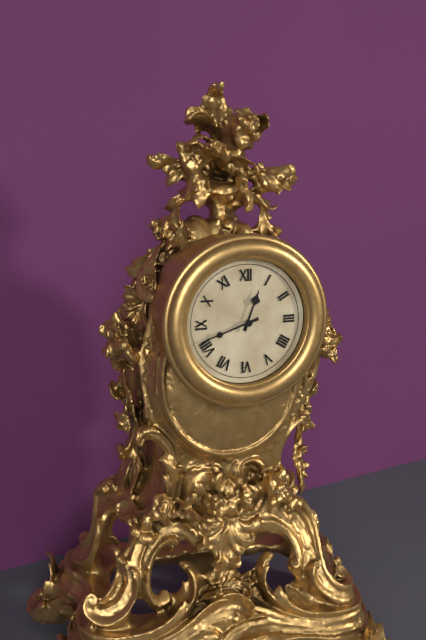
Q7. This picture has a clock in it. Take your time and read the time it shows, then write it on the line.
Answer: 12:42
